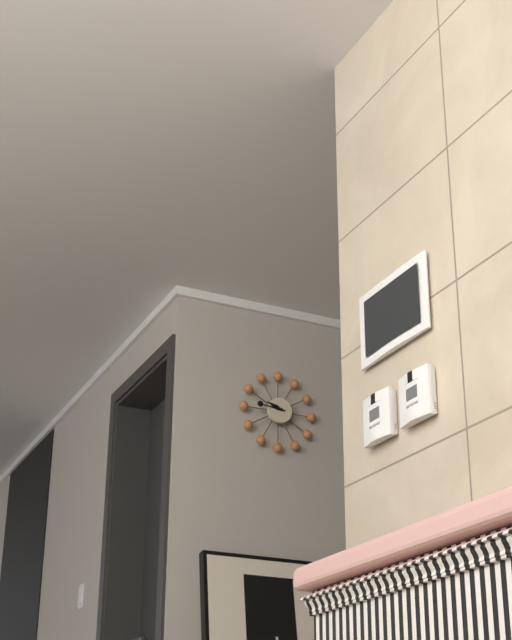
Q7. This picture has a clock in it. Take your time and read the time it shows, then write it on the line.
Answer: 9:46
